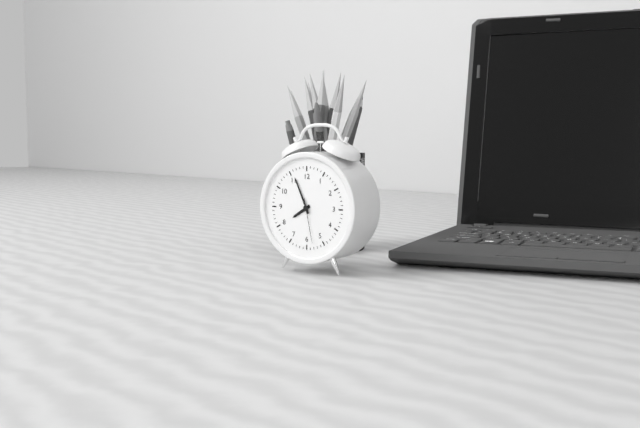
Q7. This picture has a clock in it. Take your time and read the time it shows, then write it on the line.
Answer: 7:56
